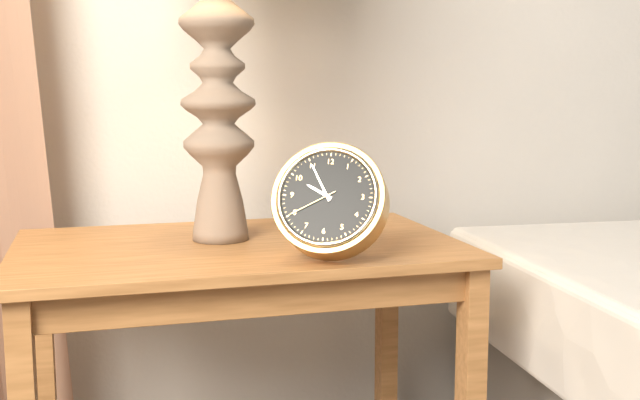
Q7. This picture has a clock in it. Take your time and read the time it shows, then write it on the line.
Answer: 9:55:40
